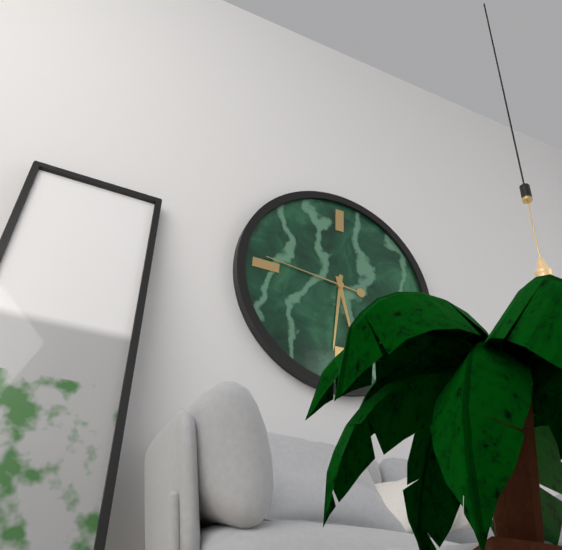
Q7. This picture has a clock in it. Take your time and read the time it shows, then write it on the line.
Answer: 5:31:46
